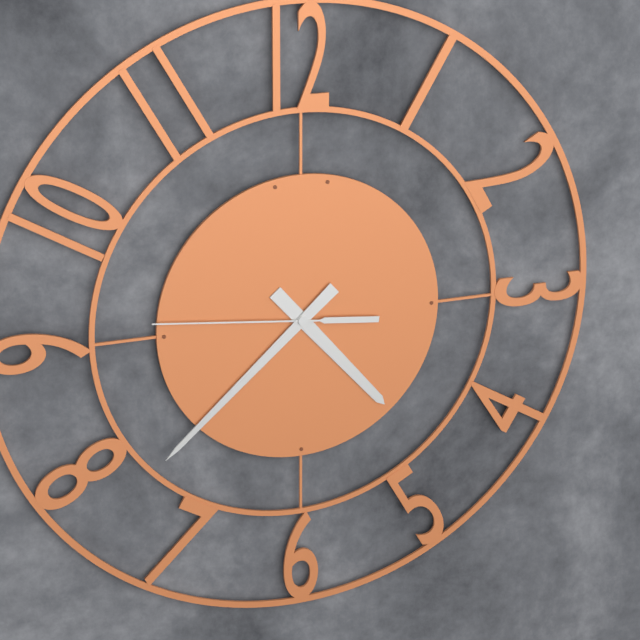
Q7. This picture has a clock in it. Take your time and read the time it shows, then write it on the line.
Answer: 4:38:46
